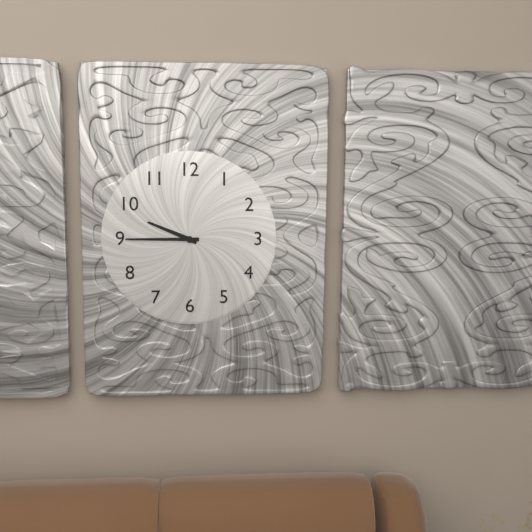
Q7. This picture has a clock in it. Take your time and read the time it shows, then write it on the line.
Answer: 9:45
